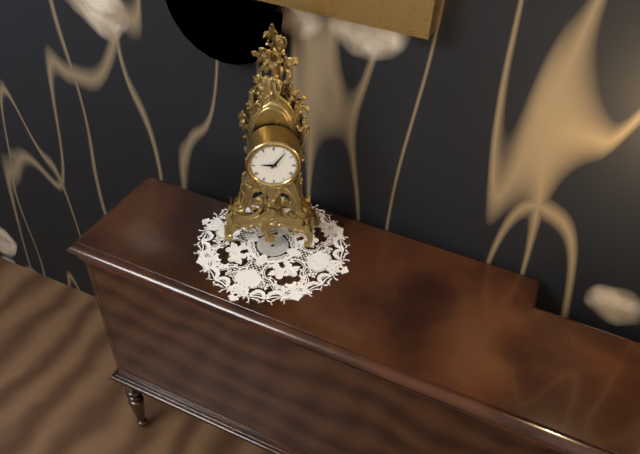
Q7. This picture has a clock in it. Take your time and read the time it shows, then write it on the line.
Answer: 9:06
